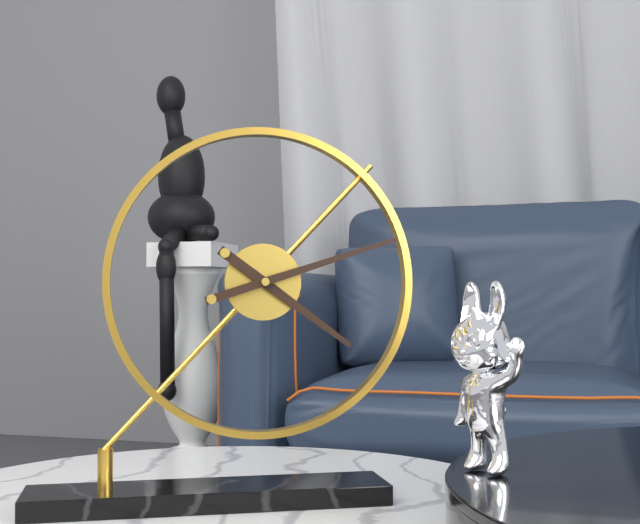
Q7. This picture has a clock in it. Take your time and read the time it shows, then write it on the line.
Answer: 4:12
